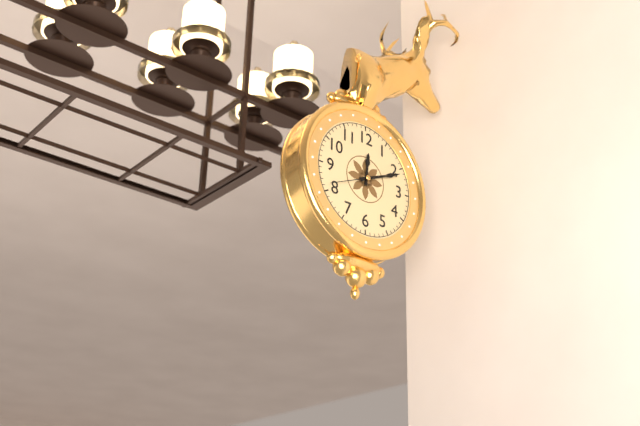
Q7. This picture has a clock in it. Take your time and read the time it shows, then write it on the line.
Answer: 12:11
